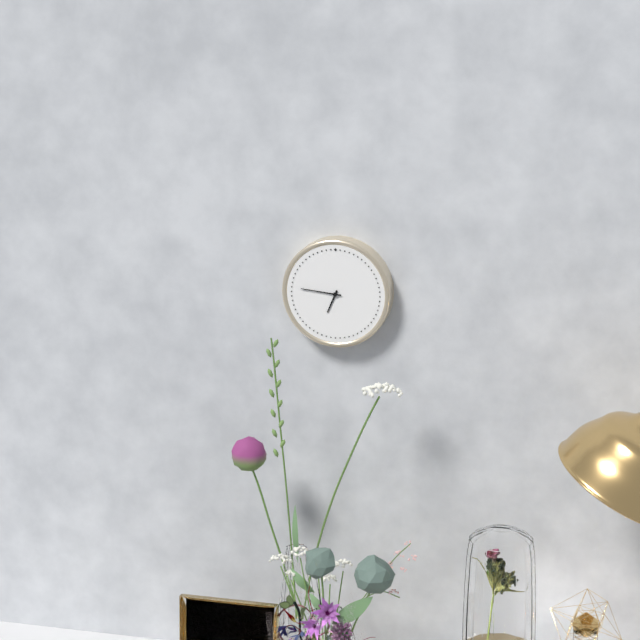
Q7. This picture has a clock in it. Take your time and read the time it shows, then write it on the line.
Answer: 6:46
